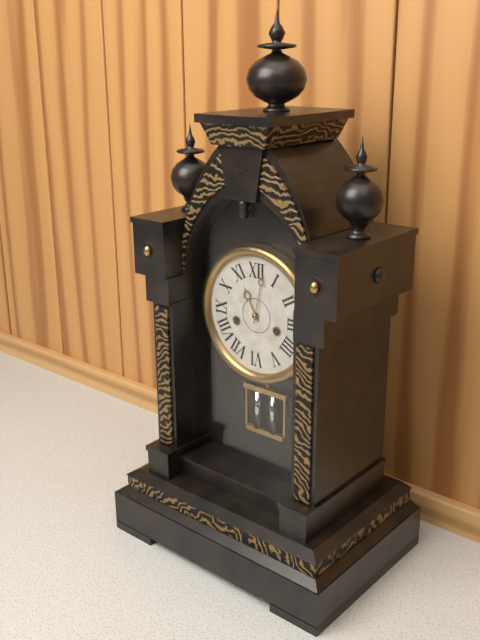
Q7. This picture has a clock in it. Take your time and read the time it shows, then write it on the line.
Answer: 11:02
